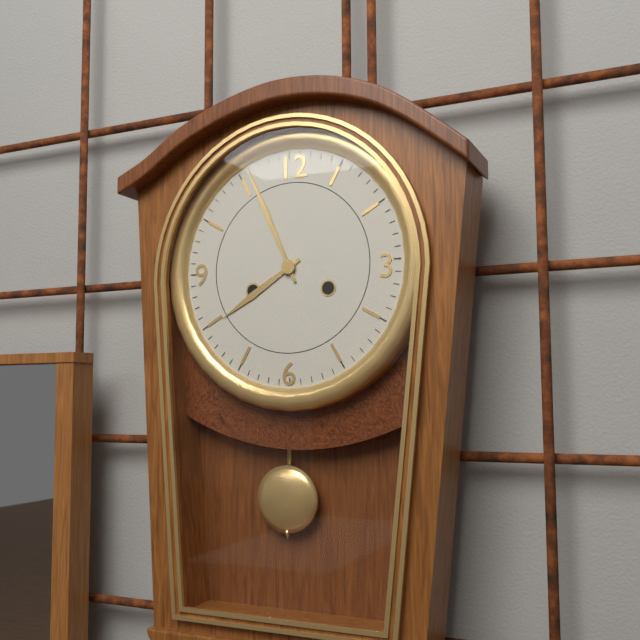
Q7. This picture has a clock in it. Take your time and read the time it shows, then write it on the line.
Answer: 7:56
